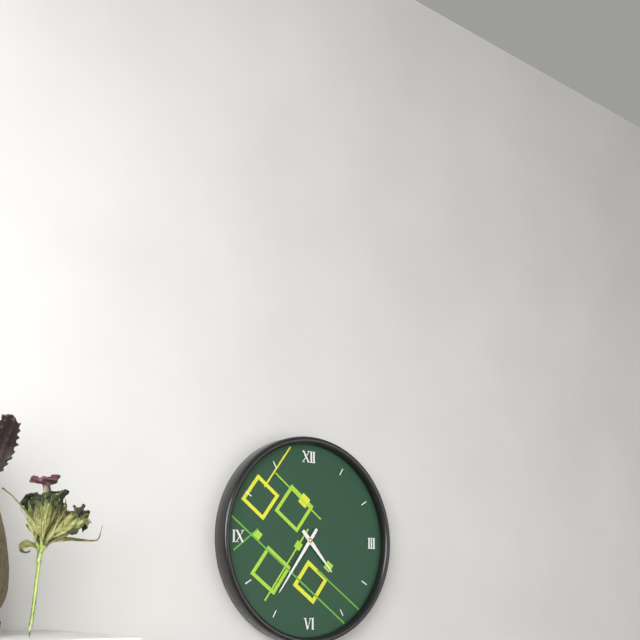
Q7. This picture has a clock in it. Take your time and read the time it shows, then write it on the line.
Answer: 4:36
